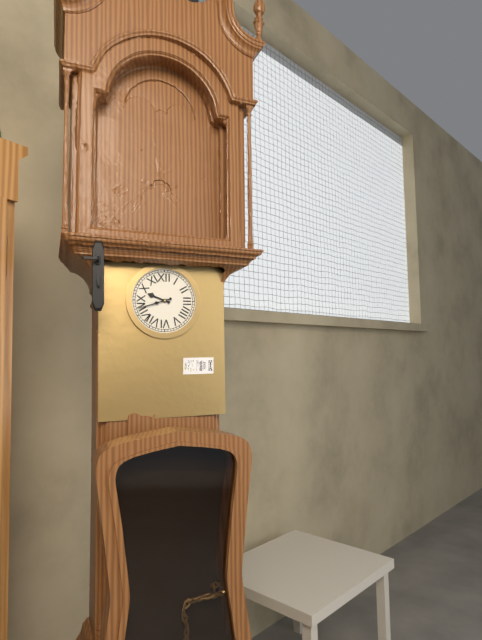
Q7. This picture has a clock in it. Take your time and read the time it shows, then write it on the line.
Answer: 9:42
